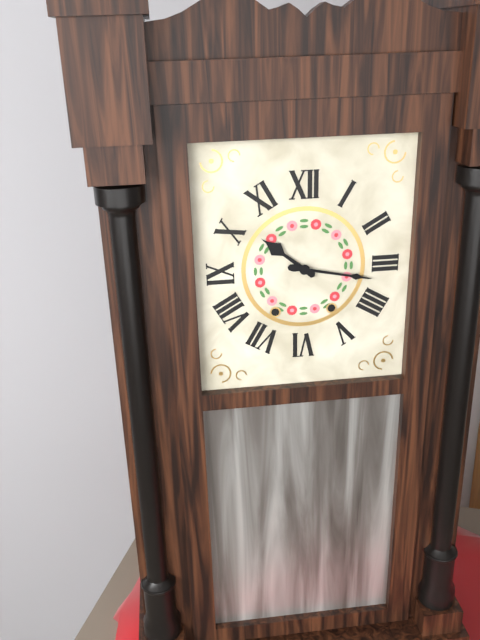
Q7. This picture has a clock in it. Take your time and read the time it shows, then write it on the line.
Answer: 10:17
